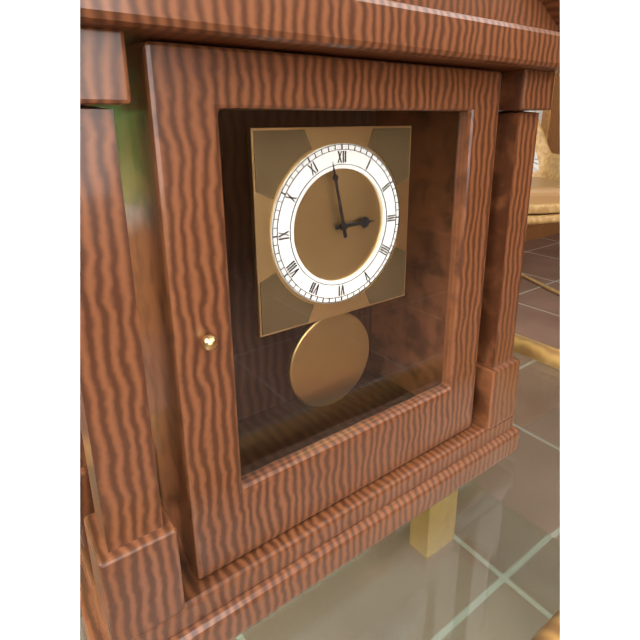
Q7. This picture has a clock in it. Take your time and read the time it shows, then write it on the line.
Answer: 2:58
